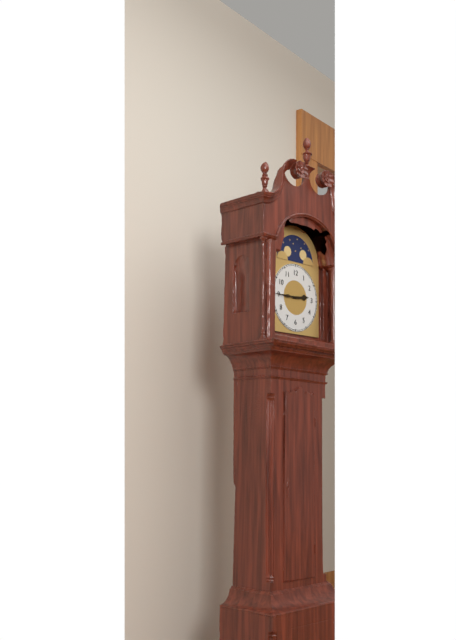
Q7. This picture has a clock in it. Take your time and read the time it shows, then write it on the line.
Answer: 2:45
